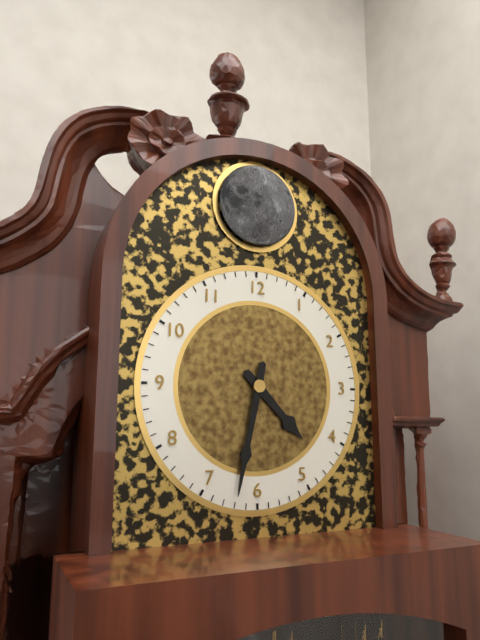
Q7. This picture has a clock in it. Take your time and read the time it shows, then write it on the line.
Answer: 4:32
